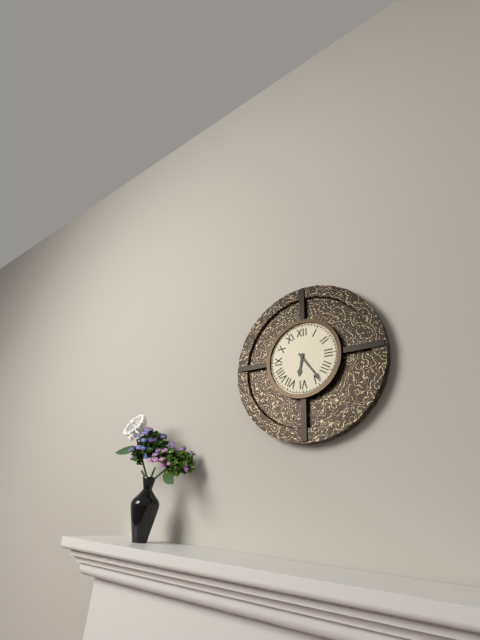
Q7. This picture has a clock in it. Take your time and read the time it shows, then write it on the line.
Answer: 6:24
